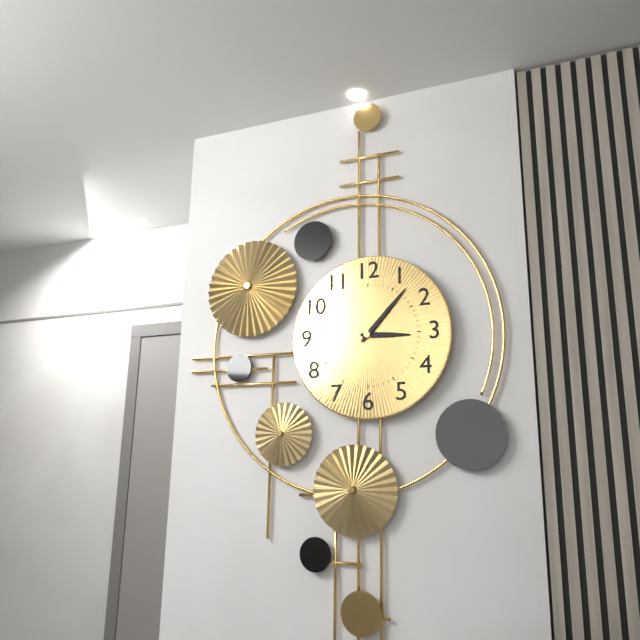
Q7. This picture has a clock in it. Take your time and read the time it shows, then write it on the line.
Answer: 3:07:52
